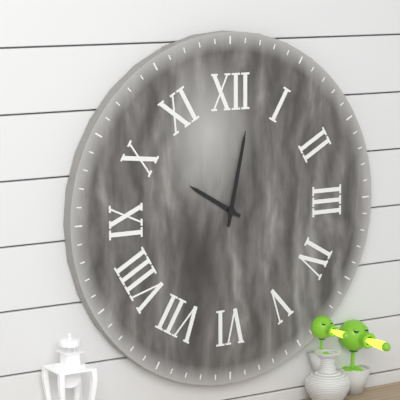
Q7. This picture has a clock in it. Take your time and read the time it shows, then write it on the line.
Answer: 10:02
